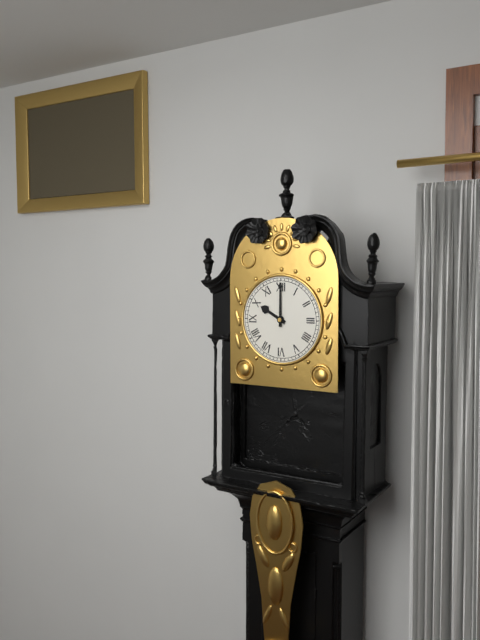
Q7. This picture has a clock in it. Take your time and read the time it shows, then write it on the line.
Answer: 10:00
